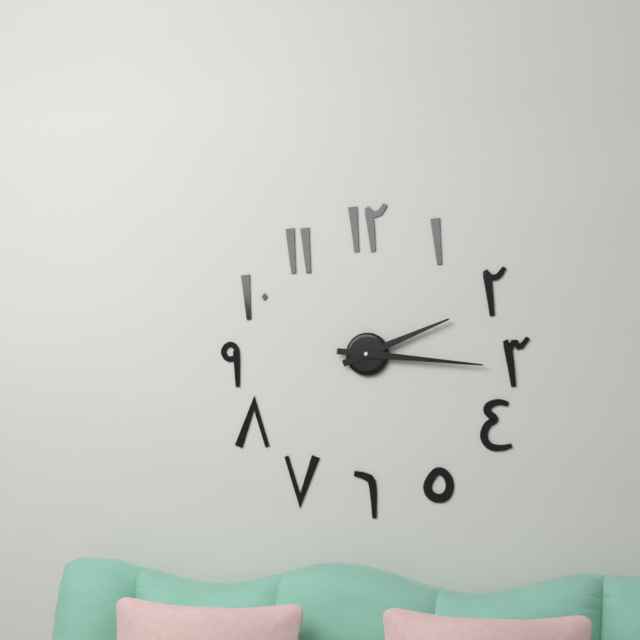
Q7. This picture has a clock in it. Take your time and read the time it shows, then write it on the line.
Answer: 2:16
